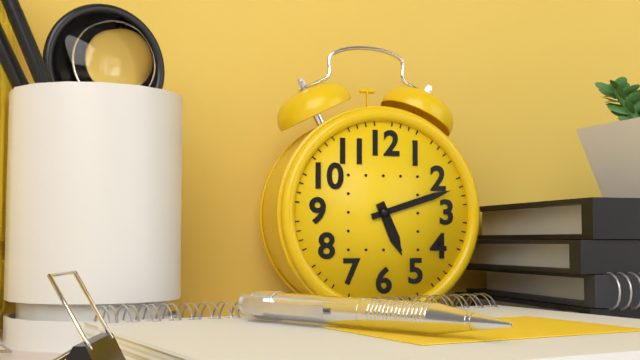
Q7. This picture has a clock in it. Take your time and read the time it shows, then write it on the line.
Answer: 5:12
